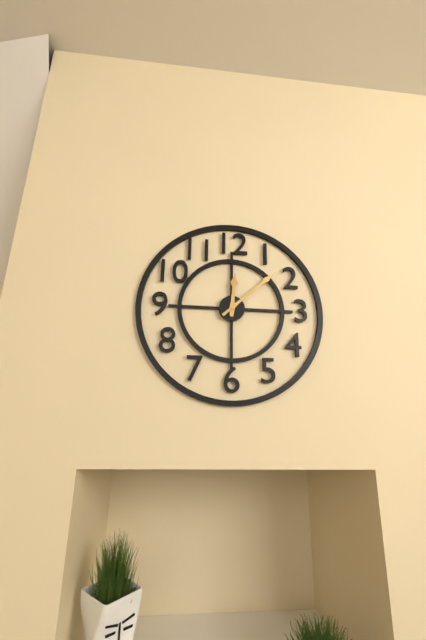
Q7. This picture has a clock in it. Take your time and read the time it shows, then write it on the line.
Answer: 12:08
